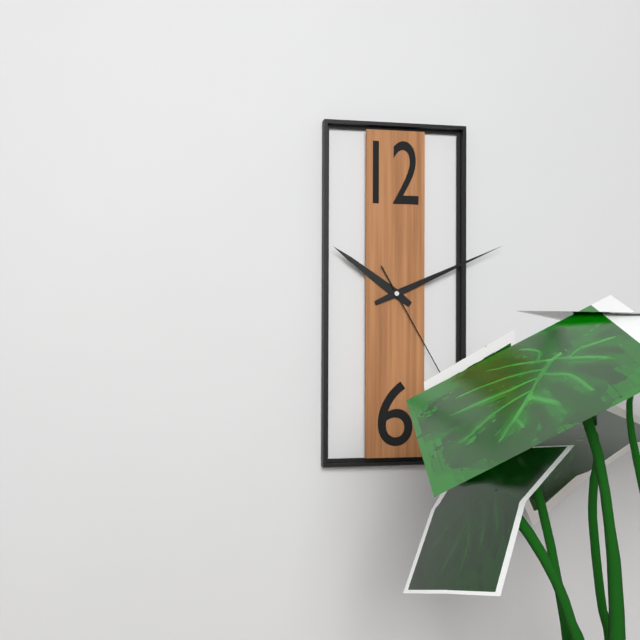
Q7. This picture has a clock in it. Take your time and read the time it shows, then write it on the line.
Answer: 10:11:25
